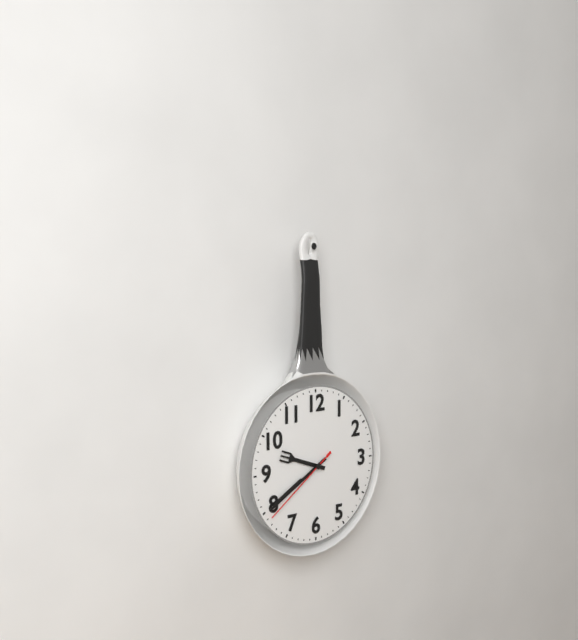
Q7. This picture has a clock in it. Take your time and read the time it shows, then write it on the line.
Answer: 9:40:39
